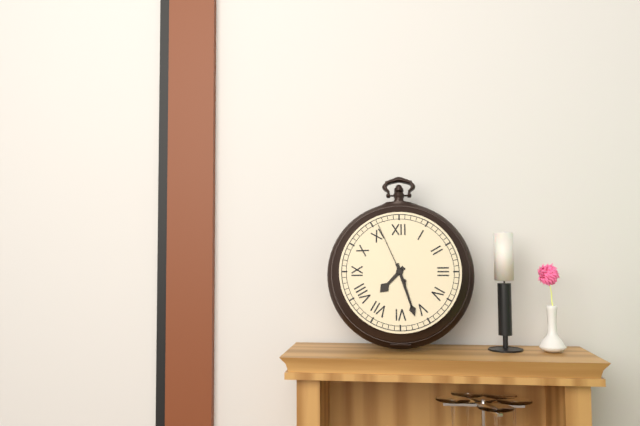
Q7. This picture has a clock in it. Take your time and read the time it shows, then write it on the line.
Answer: 7:27:56
